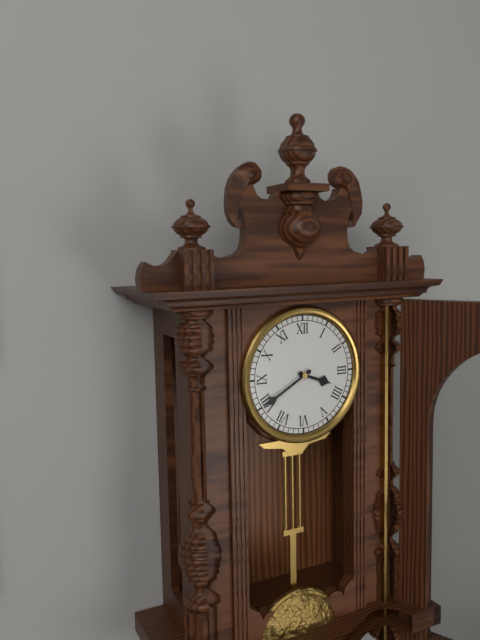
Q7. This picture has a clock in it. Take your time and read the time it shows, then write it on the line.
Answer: 3:40
